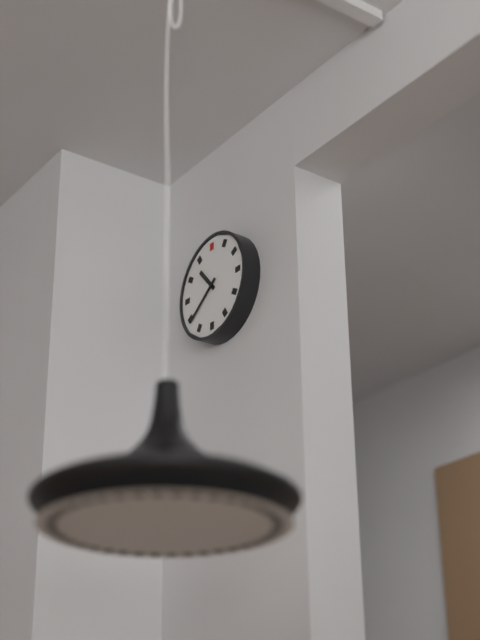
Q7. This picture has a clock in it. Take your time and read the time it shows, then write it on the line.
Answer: 10:39
